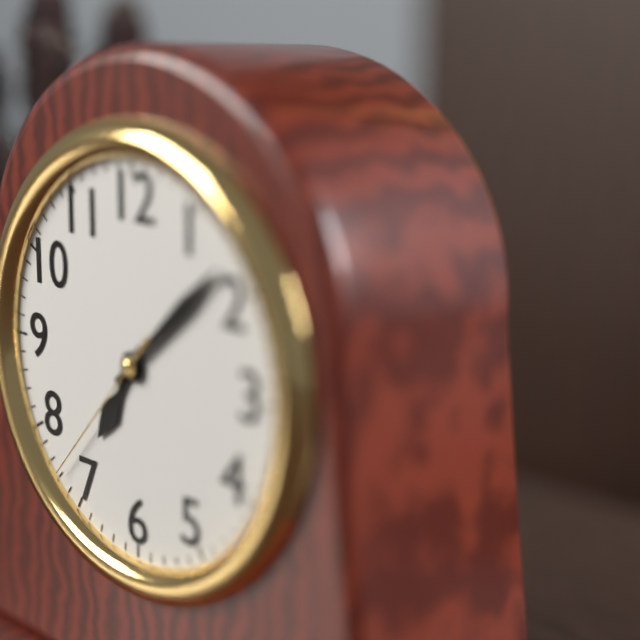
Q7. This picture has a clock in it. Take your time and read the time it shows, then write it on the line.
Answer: 7:08:37
